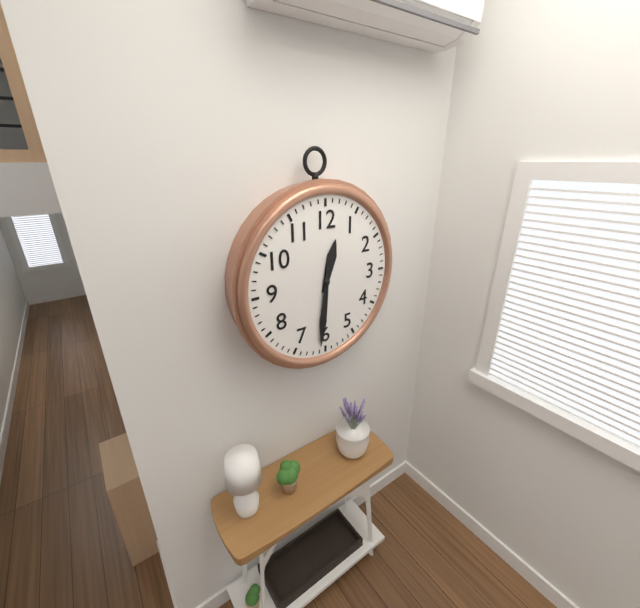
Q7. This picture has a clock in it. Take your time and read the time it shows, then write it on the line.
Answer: 12:31
